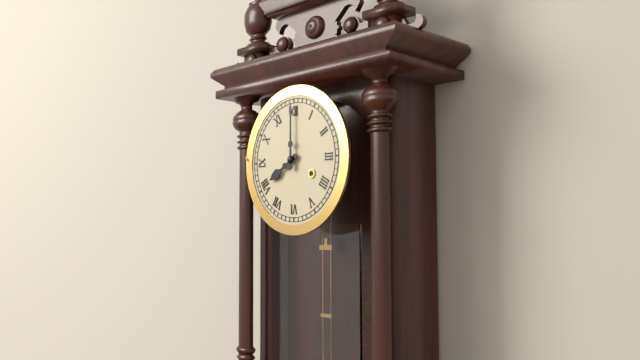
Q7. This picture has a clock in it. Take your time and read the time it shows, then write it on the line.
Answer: 8:00
